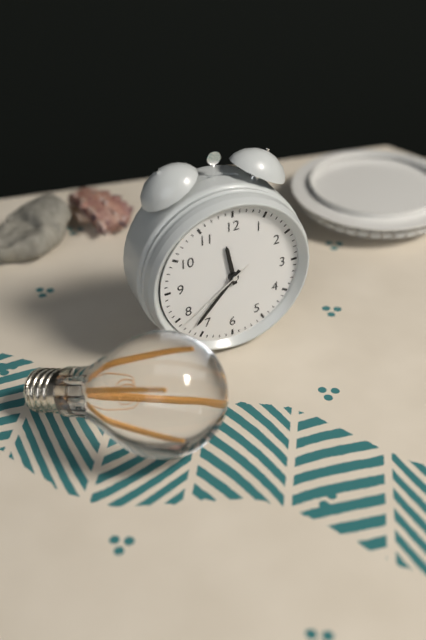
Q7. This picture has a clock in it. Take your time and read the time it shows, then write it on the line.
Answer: 11:37:39
